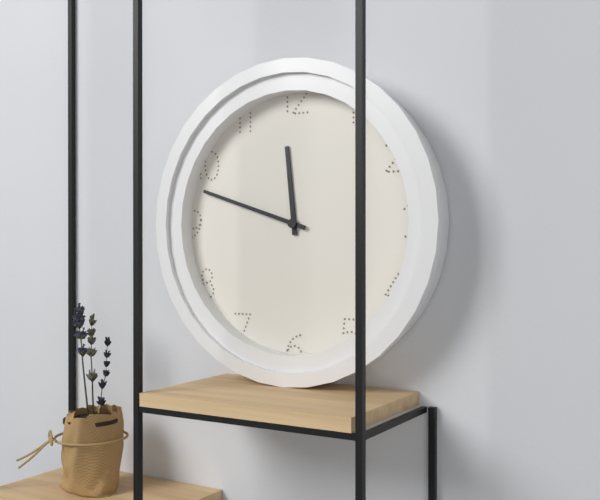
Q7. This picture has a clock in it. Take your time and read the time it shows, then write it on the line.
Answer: 11:48
